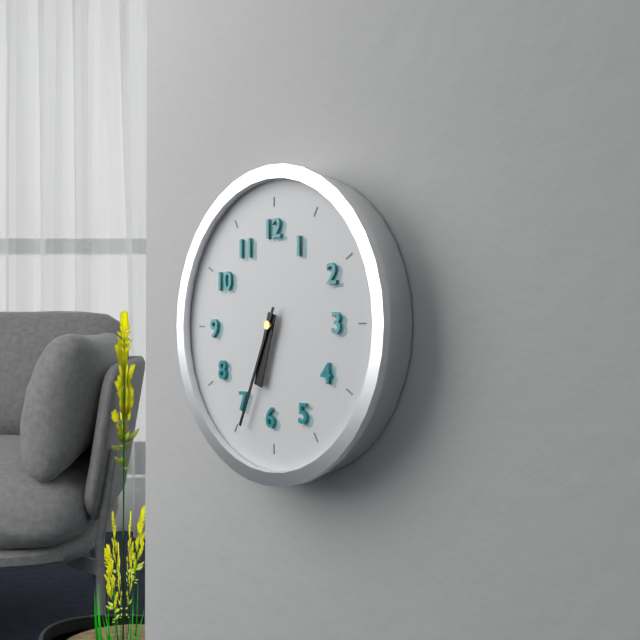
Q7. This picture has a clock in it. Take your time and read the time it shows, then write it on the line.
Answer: 6:34
